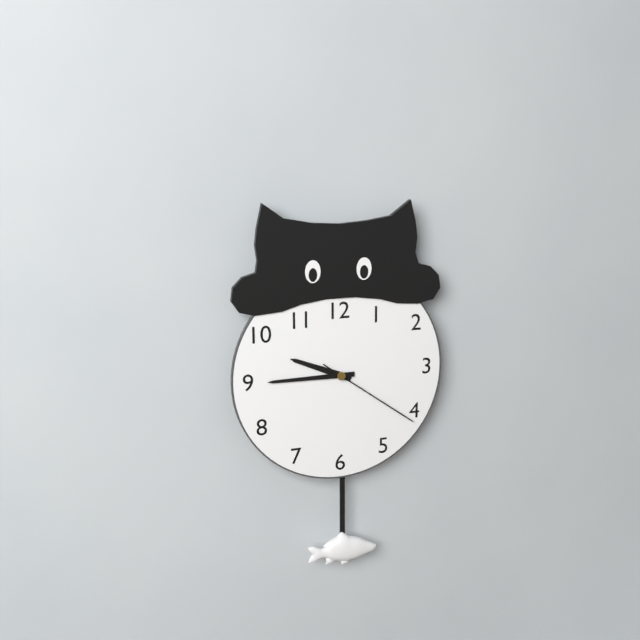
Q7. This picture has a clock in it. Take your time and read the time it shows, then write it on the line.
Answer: 9:45:21
